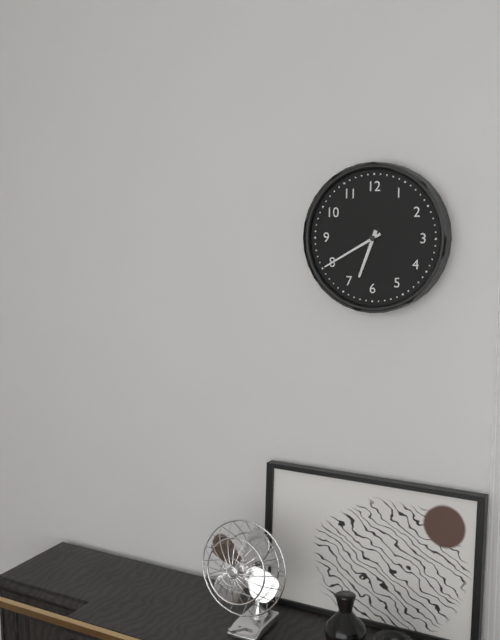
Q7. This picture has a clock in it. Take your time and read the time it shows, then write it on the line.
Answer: 6:40
